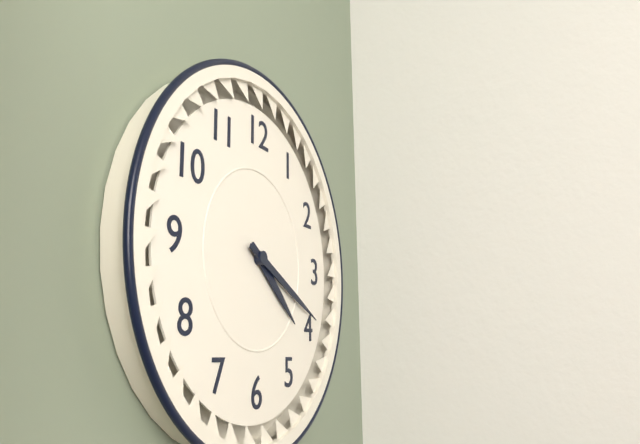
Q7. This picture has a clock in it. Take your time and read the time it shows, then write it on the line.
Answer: 4:19
